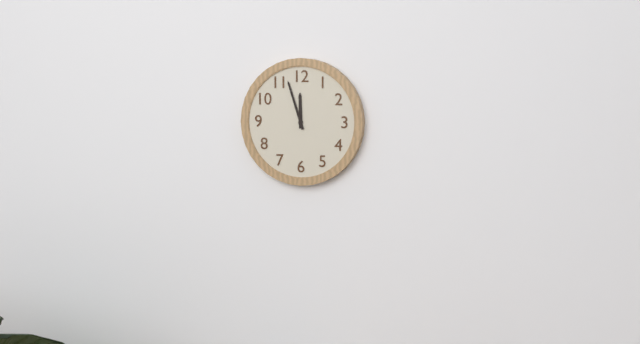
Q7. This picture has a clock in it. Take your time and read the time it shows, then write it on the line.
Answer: 11:57
